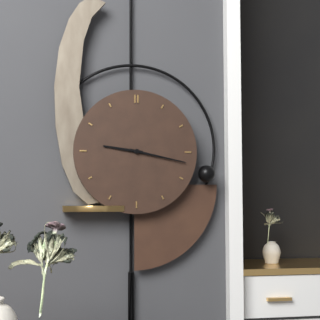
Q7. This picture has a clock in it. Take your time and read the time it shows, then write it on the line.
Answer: 9:17
